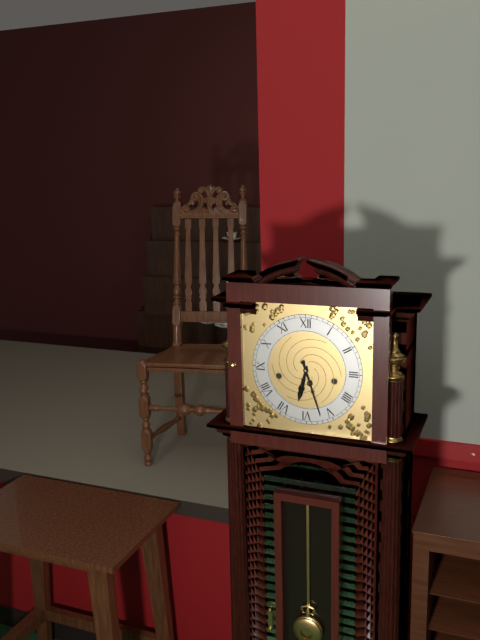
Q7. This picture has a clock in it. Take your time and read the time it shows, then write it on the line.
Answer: 6:27
